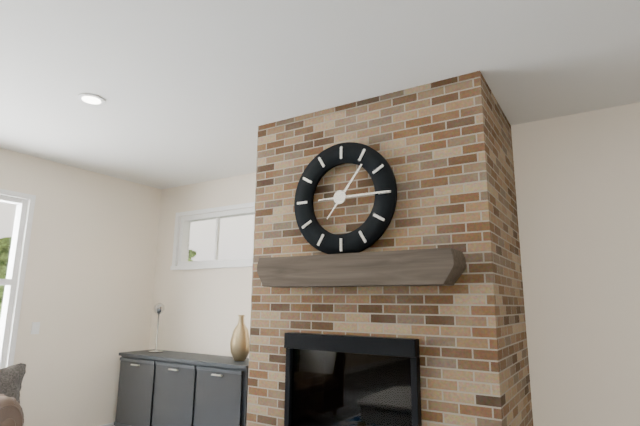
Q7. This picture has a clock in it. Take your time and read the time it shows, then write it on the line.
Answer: 1:15
